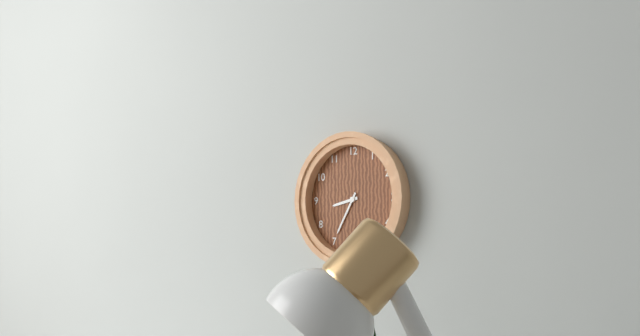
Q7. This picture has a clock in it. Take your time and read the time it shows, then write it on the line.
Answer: 8:35
